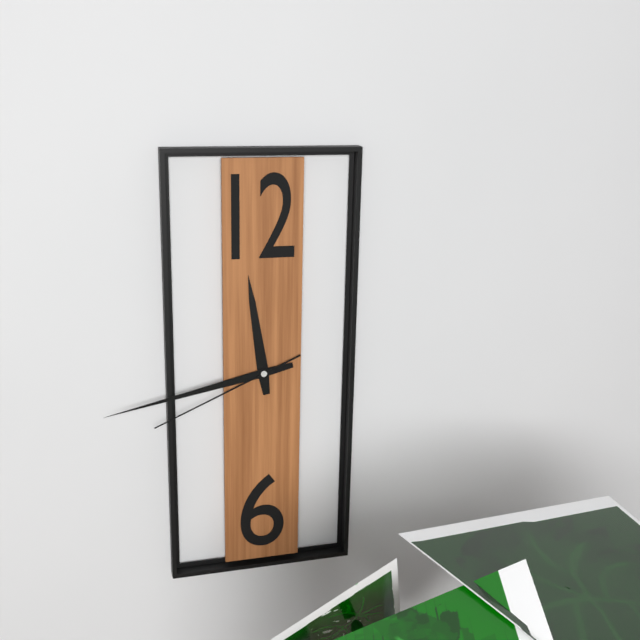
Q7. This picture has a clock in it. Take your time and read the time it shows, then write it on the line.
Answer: 11:43:41
